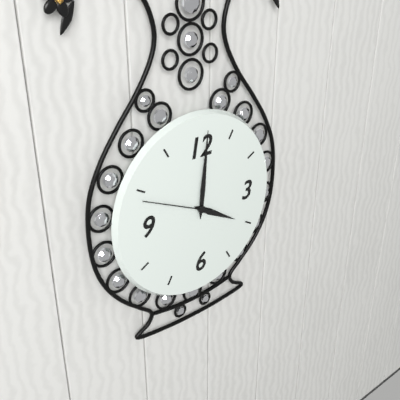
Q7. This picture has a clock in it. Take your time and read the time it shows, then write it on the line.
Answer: 4:01:49
